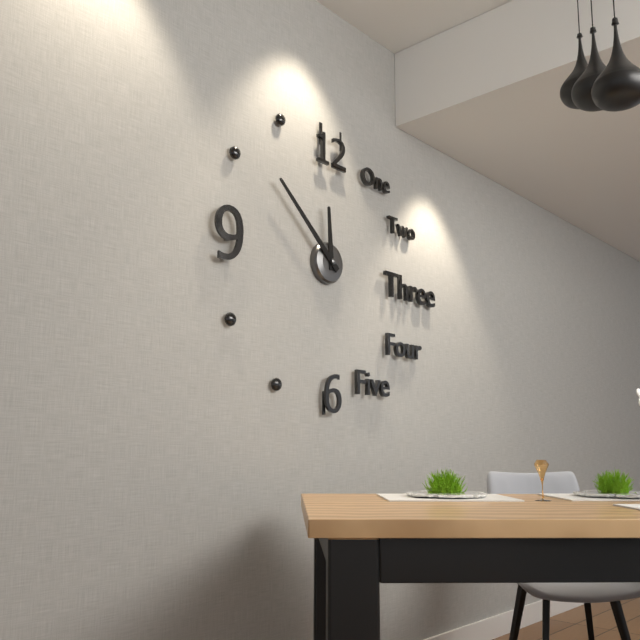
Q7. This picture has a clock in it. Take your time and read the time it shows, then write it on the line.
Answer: 11:52
